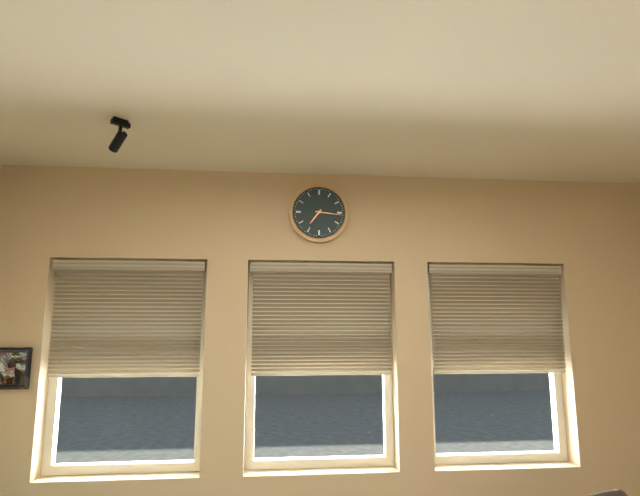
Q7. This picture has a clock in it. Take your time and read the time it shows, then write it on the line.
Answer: 7:16
